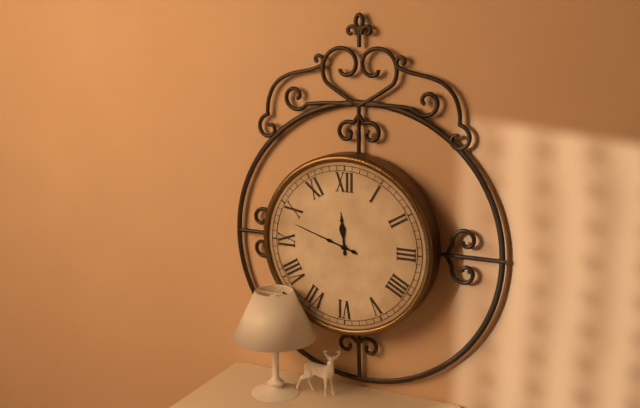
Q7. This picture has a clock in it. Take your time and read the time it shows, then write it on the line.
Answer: 11:48
